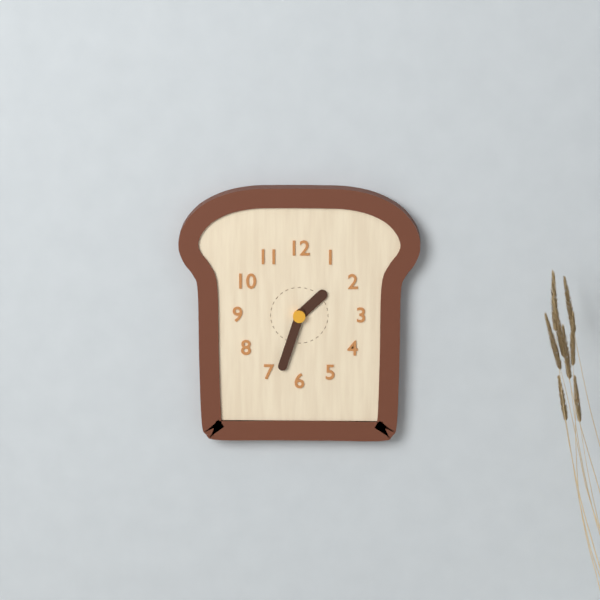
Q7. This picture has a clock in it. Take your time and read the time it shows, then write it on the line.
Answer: 1:33
